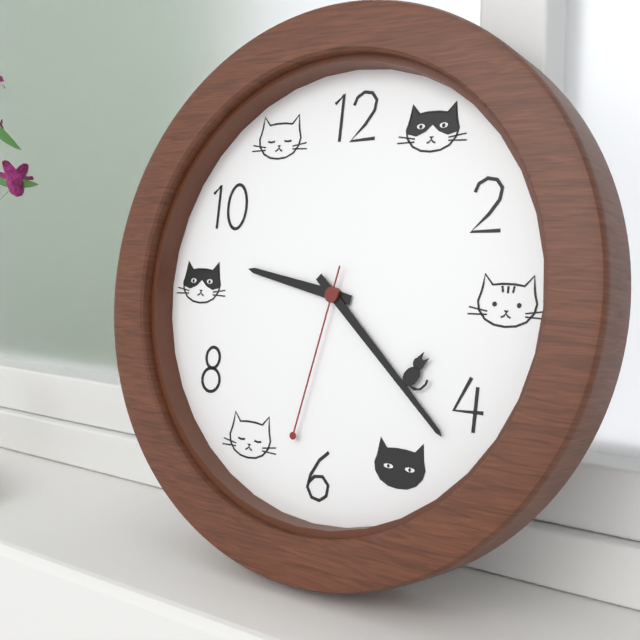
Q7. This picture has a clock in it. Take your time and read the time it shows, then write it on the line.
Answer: 9:22:32
